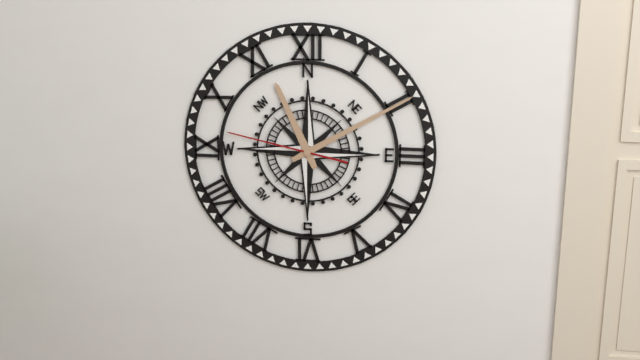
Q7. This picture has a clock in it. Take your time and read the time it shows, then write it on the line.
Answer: 11:10:47
